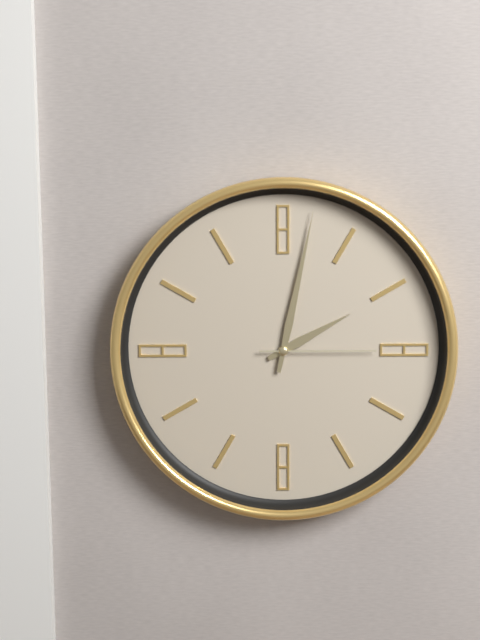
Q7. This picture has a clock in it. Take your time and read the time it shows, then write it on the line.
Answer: 2:02:15
